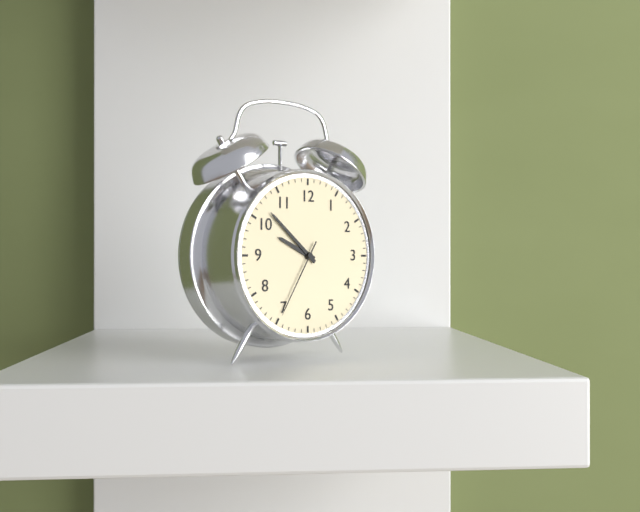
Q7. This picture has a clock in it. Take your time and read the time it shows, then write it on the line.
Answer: 9:52:35
